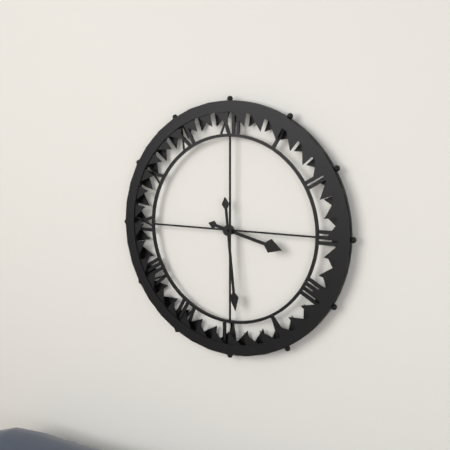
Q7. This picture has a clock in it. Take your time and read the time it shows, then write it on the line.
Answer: 3:29
